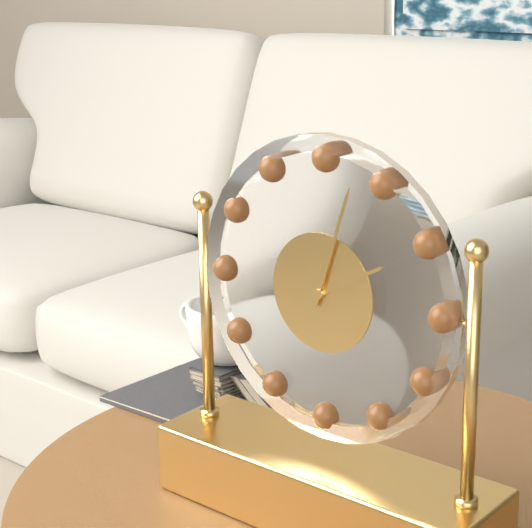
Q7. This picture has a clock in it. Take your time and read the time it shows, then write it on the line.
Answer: 2:03
